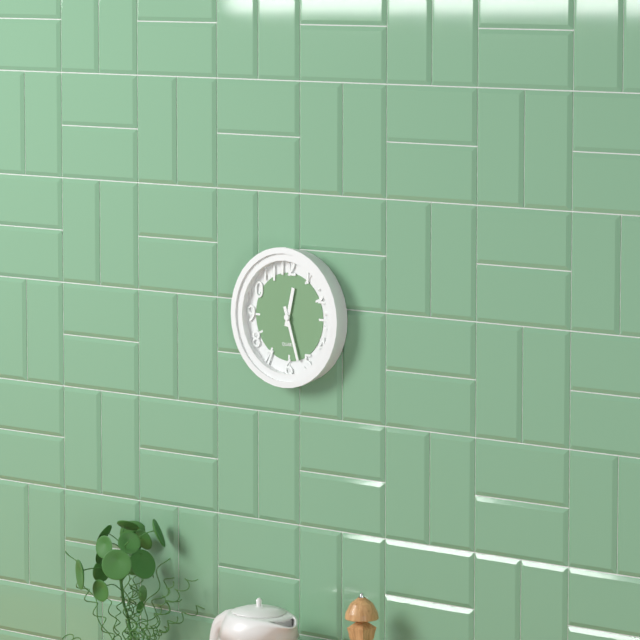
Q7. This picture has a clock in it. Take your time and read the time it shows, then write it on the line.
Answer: 12:27
